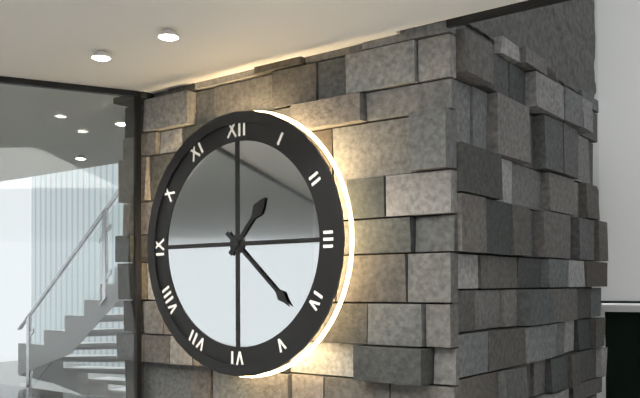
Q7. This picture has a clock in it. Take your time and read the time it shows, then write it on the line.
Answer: 1:22
